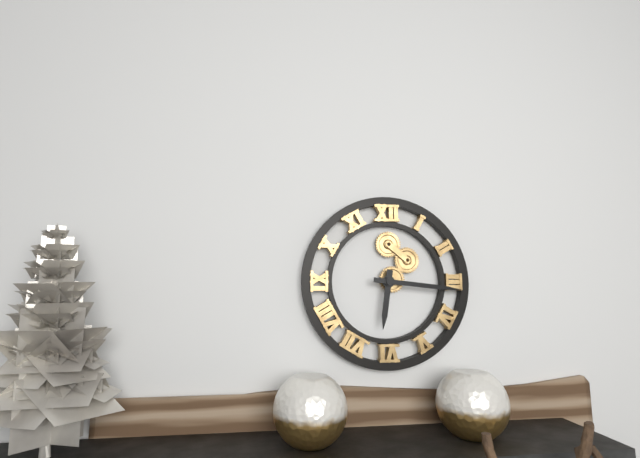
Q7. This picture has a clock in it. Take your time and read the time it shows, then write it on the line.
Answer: 6:16
